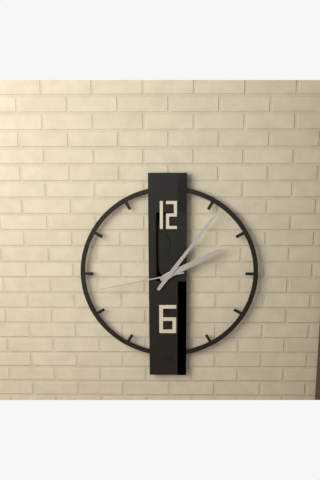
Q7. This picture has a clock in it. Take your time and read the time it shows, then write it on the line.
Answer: 2:06:43
